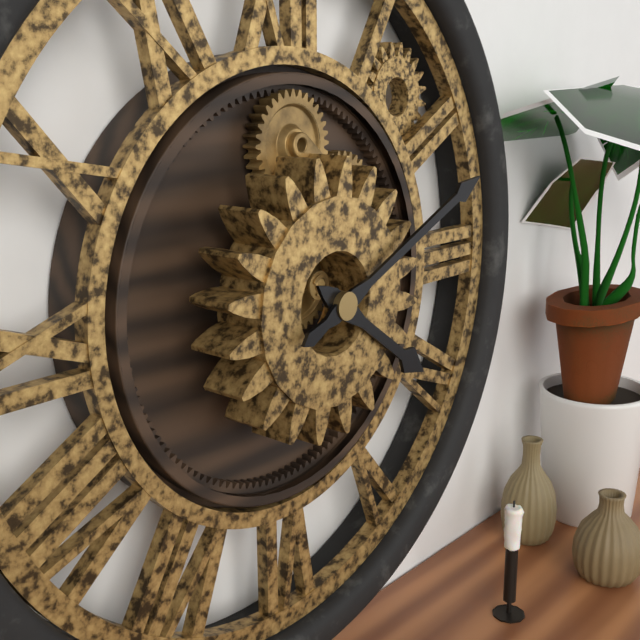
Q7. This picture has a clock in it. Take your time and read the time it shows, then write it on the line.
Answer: 4:11
